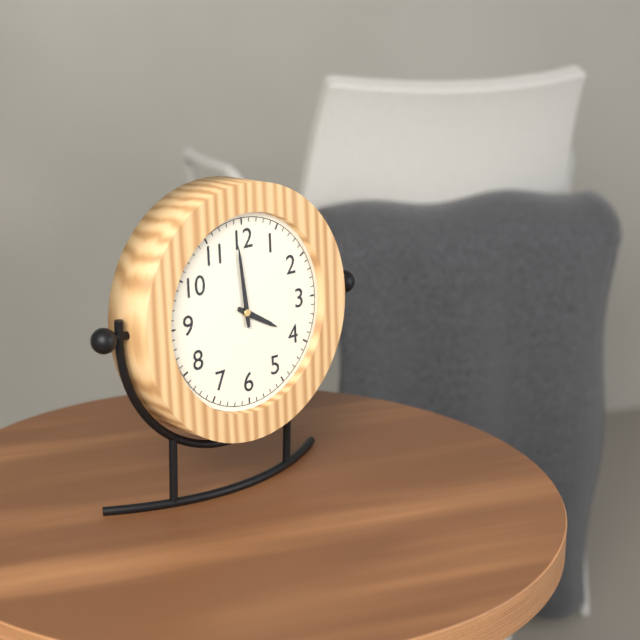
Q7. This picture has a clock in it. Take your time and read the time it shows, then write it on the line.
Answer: 3:59
